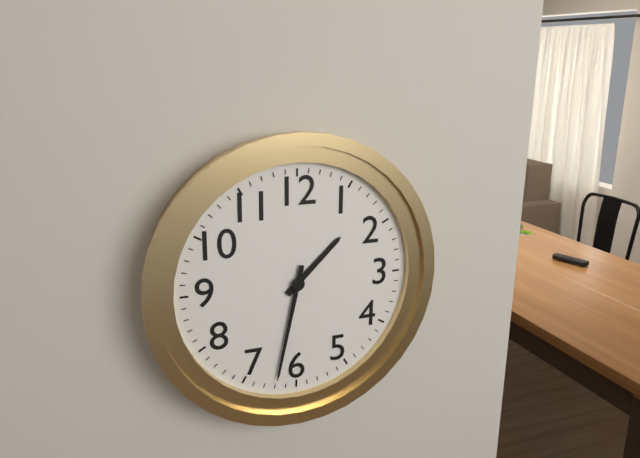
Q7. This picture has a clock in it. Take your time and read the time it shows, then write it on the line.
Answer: 1:32
